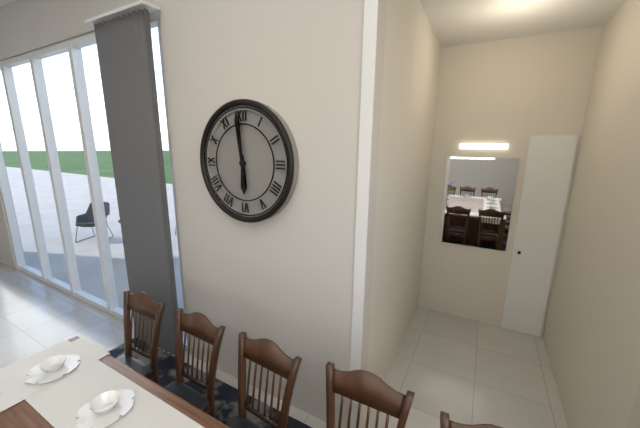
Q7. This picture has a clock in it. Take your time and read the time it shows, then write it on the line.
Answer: 5:59
